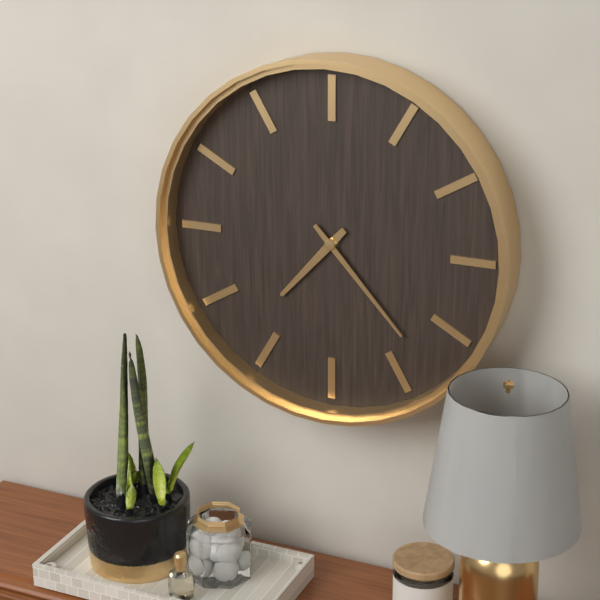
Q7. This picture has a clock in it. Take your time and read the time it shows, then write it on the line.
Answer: 7:23
